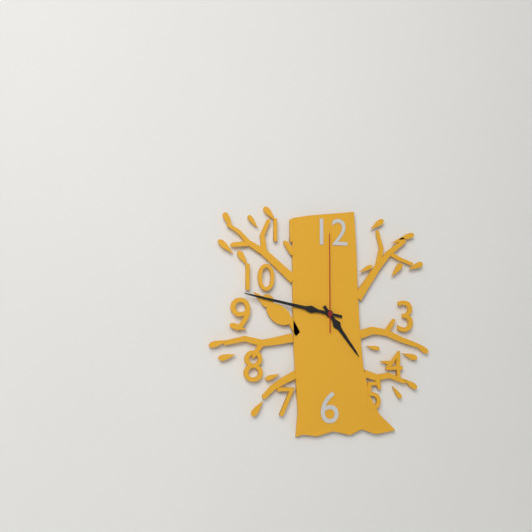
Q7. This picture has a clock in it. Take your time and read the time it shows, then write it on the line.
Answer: 4:47:00
